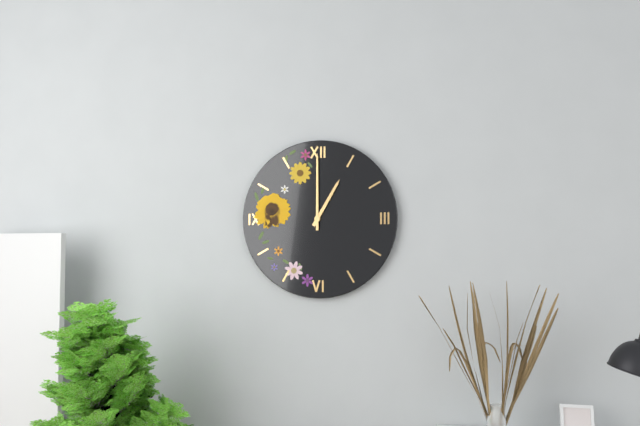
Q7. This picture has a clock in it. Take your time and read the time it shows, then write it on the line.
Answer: 1:00
